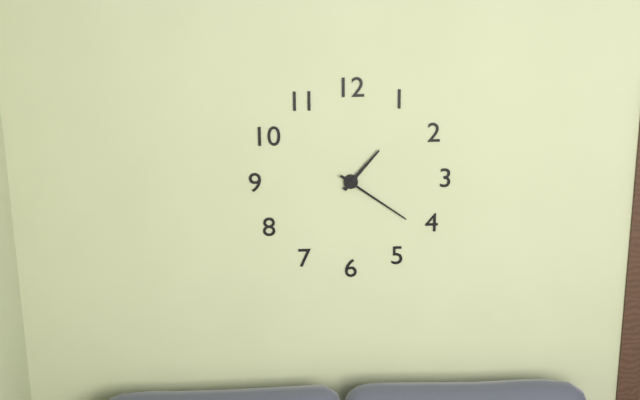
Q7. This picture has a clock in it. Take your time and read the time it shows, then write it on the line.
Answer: 1:21
